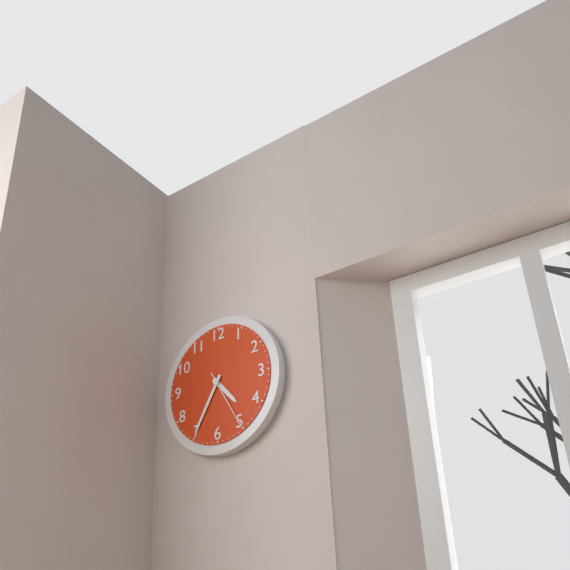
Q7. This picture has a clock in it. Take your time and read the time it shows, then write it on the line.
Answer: 4:35:25
